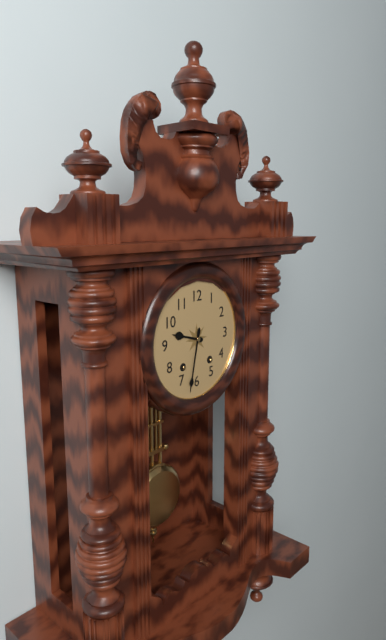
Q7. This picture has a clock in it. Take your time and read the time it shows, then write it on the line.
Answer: 9:32
